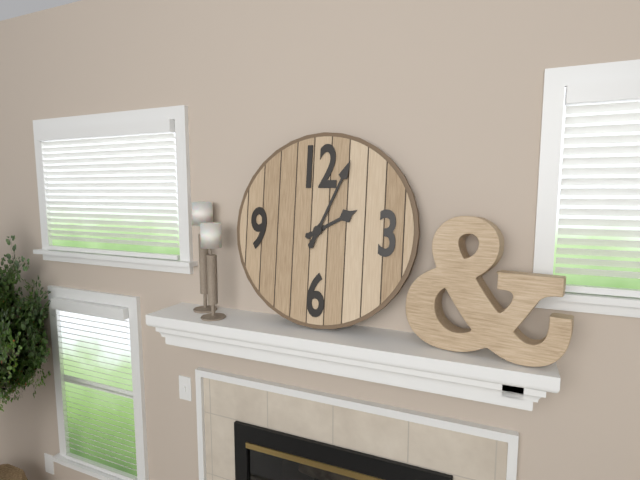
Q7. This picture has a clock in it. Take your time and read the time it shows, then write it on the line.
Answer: 2:04
